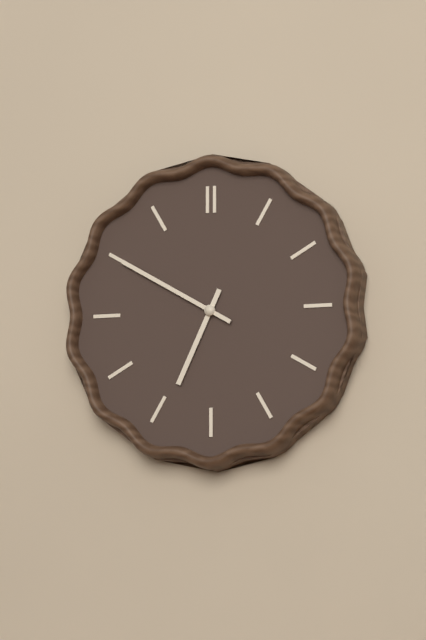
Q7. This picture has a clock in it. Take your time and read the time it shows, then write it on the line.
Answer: 6:50
